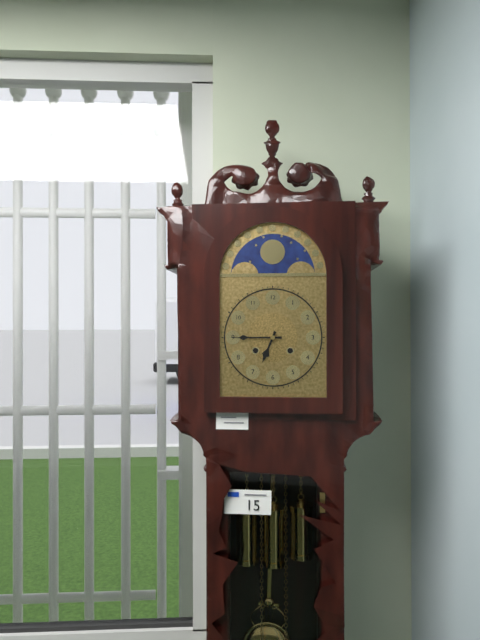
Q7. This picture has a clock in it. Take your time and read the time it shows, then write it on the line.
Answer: 6:45
